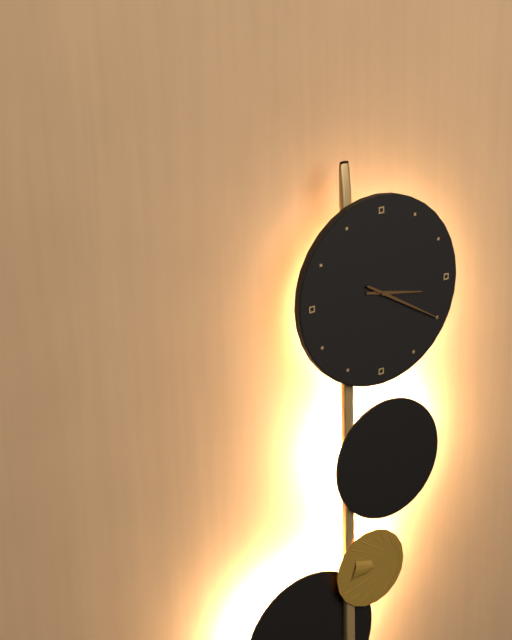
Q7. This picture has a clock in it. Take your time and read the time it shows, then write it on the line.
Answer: 3:20
